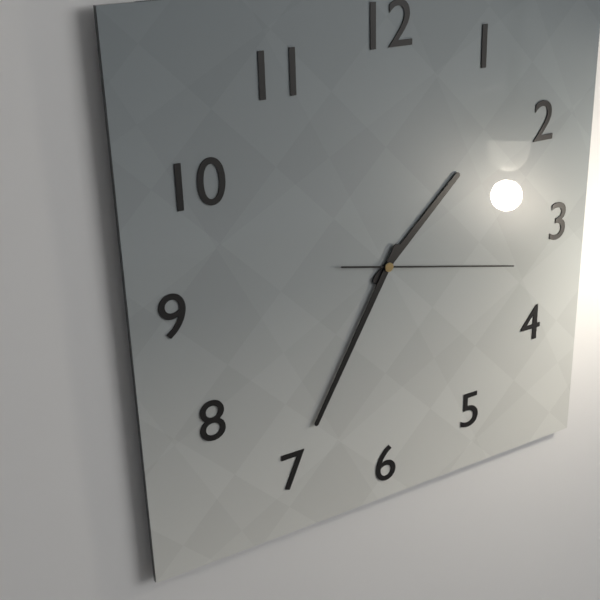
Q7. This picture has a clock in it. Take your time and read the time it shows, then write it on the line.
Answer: 1:35:17
